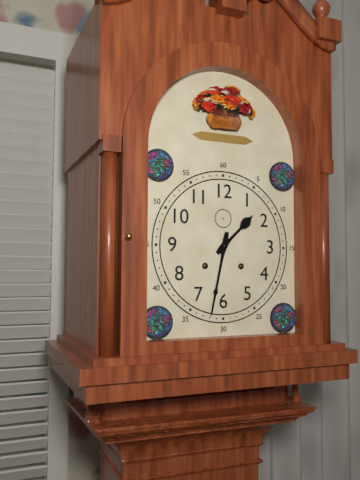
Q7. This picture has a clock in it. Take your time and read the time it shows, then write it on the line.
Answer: 1:32
